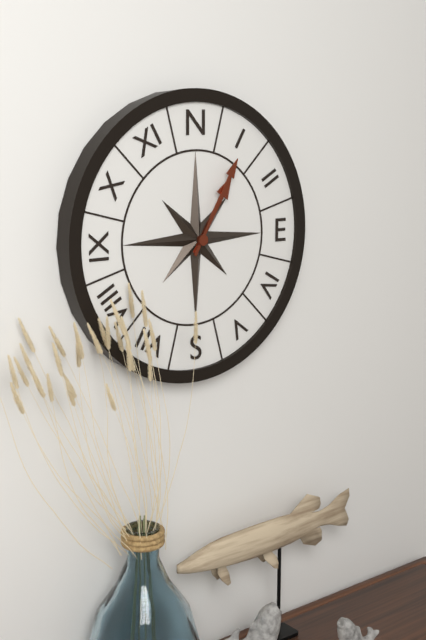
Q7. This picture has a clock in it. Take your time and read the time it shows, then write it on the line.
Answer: 1:05
